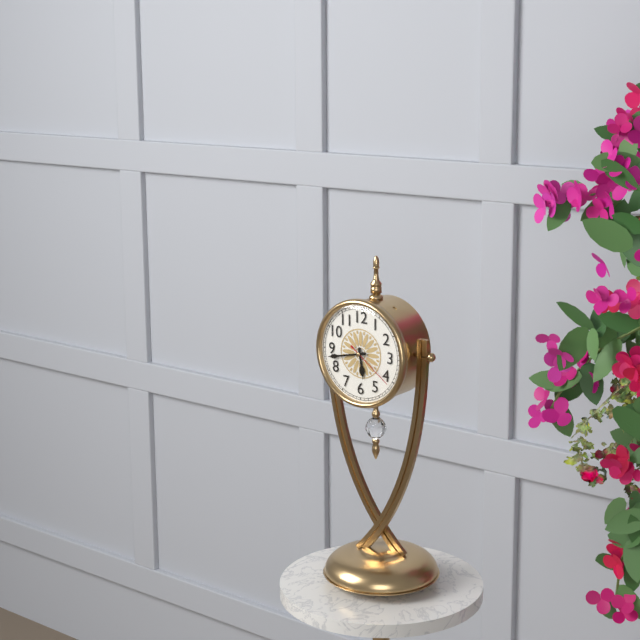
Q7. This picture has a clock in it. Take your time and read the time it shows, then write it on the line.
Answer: 5:43:21
